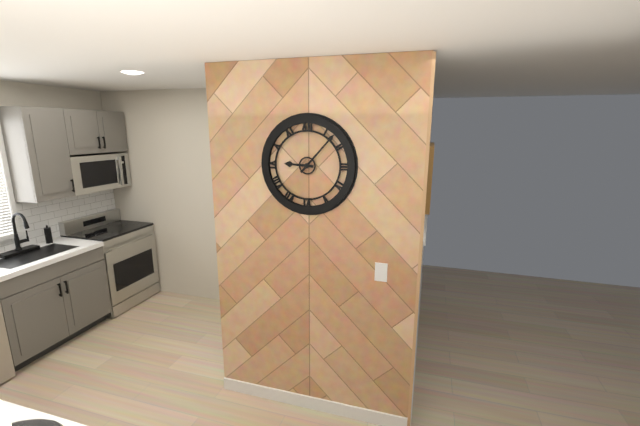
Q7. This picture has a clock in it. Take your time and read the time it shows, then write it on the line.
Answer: 9:07
